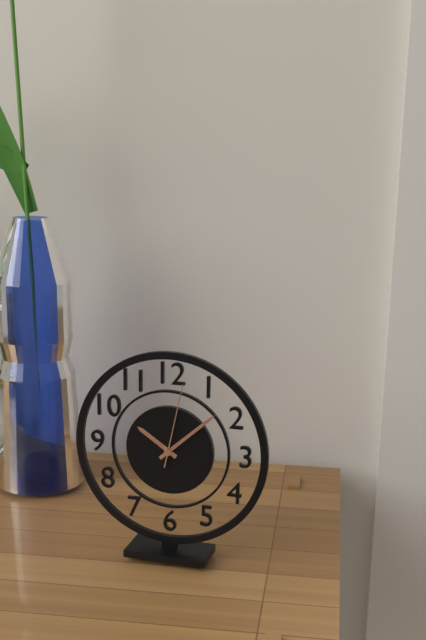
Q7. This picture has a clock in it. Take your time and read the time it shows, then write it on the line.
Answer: 10:08:02
